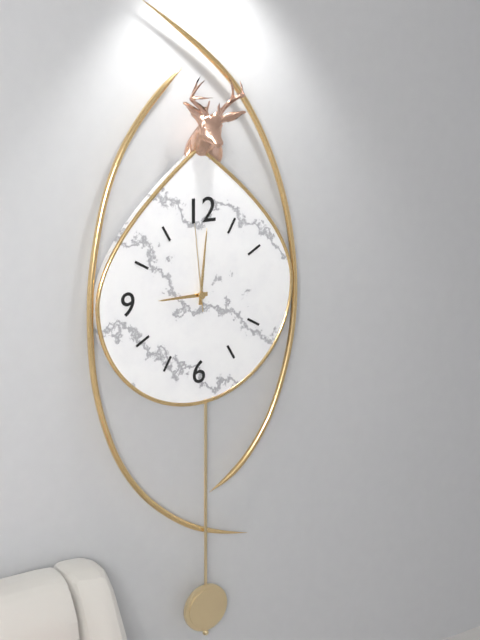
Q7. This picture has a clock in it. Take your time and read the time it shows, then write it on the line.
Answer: 9:01:59
